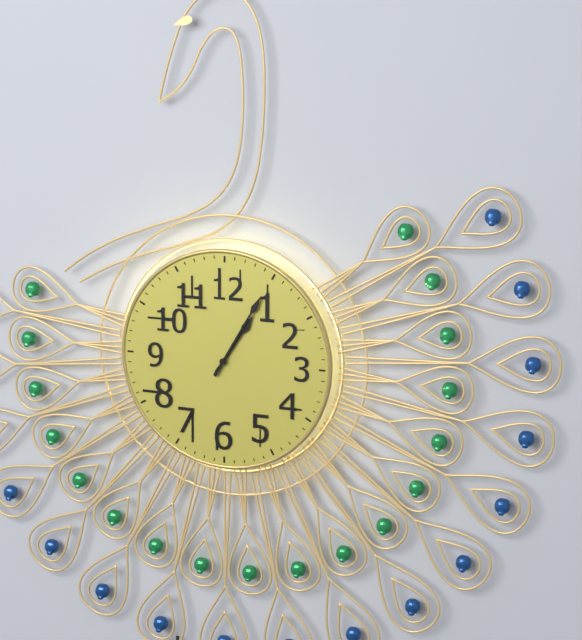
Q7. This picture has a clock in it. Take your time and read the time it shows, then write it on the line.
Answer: 1:05
